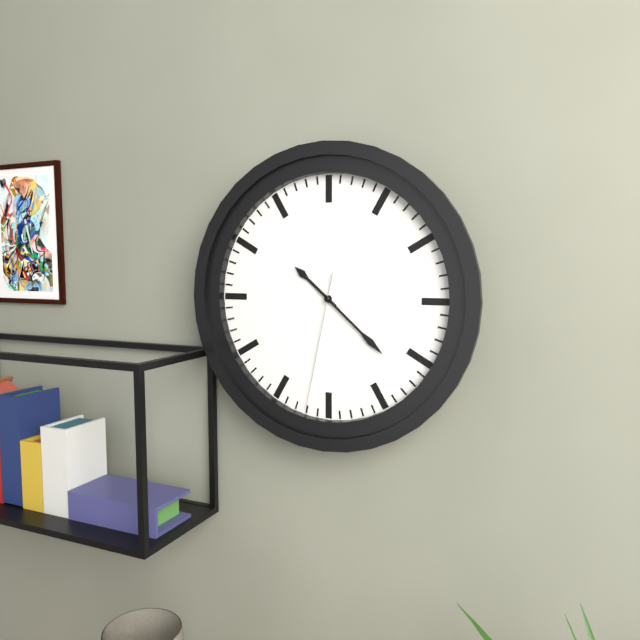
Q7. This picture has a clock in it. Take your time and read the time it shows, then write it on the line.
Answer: 10:22:32
